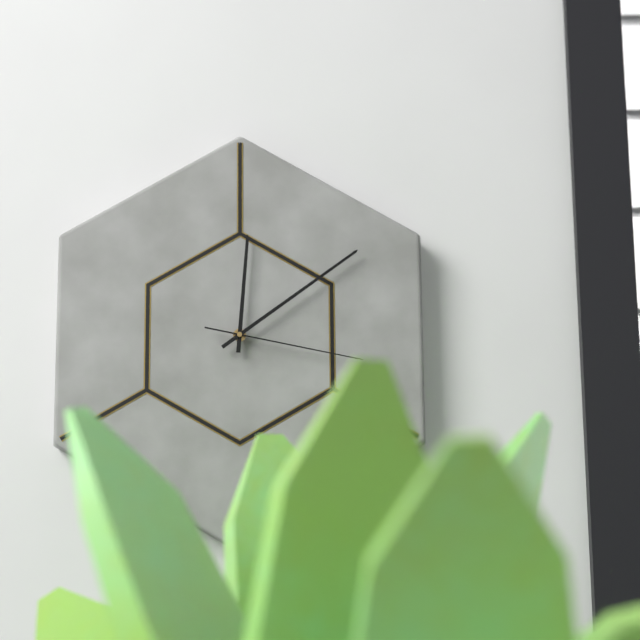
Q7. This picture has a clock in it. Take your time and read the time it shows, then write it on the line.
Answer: 12:09:17
